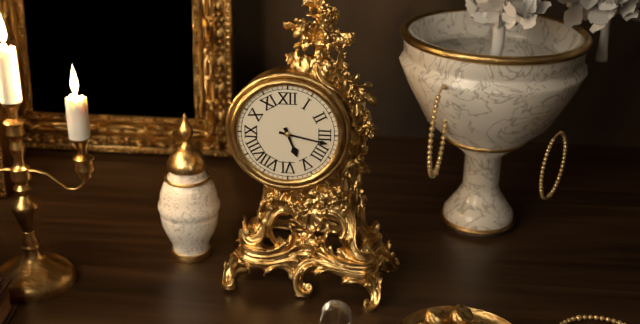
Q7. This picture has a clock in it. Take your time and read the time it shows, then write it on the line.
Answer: 5:17
